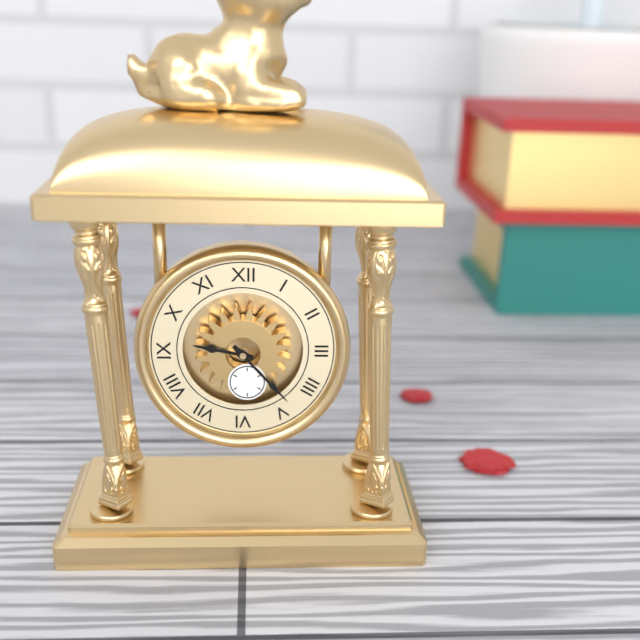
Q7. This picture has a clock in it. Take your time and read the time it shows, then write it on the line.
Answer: 9:23
